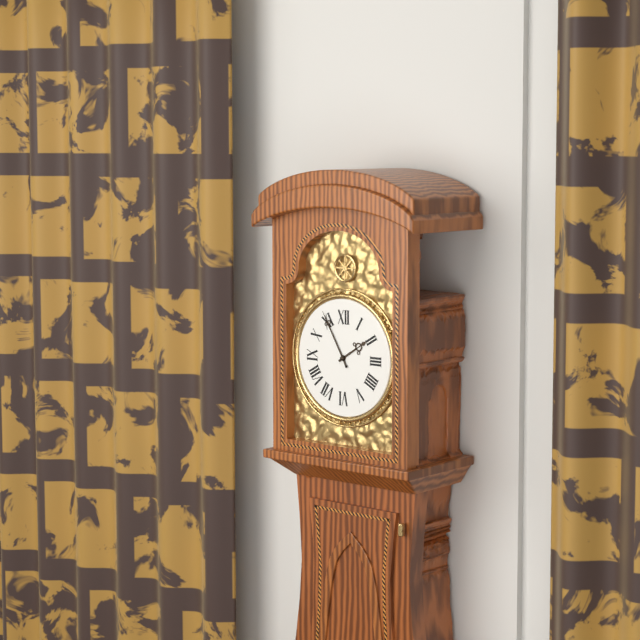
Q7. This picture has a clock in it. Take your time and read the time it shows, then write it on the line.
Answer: 1:55
